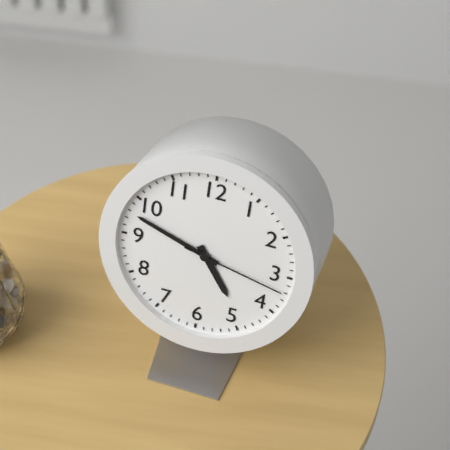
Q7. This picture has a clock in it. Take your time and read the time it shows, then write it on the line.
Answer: 4:48:17
